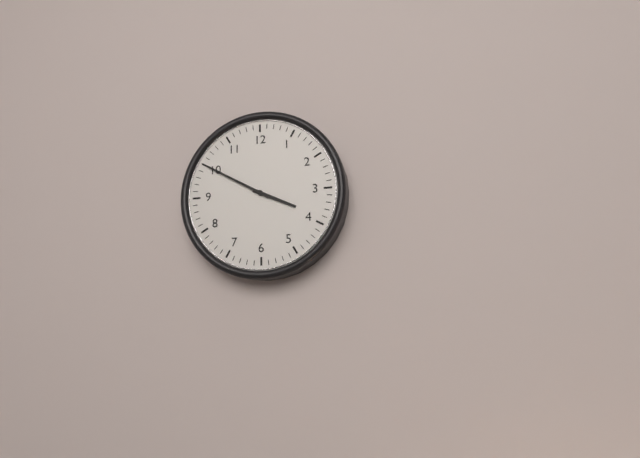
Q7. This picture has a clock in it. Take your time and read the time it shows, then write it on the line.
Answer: 3:50
